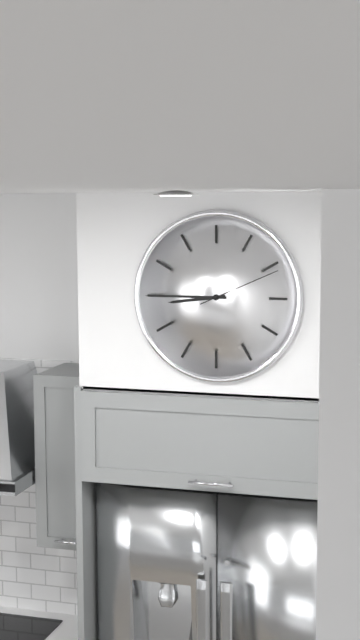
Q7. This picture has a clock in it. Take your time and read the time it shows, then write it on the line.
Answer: 8:45:11
